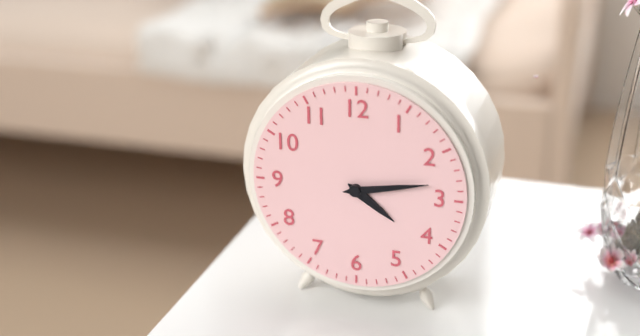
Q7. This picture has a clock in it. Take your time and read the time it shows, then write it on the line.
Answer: 4:13
